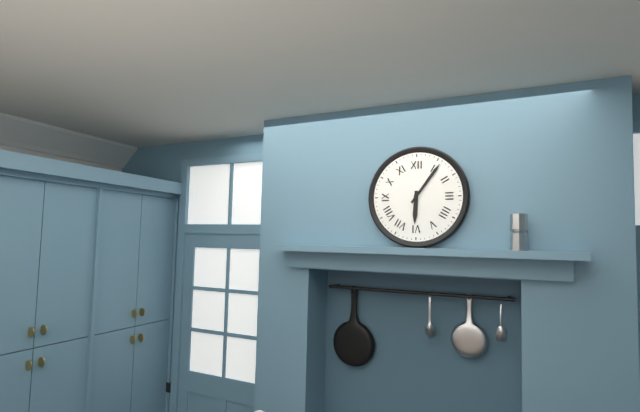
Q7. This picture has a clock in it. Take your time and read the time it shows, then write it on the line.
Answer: 6:06
